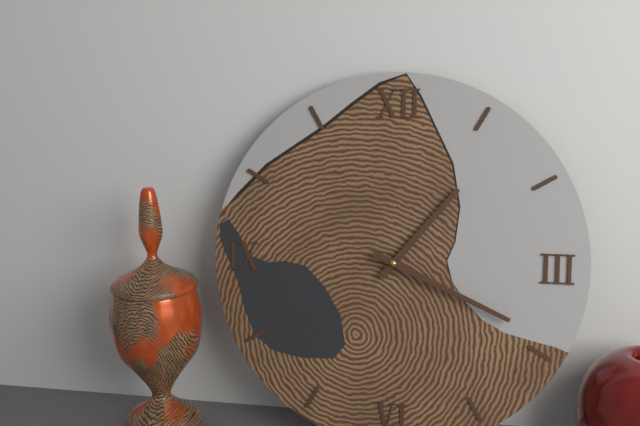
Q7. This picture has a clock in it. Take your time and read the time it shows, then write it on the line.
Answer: 1:19
